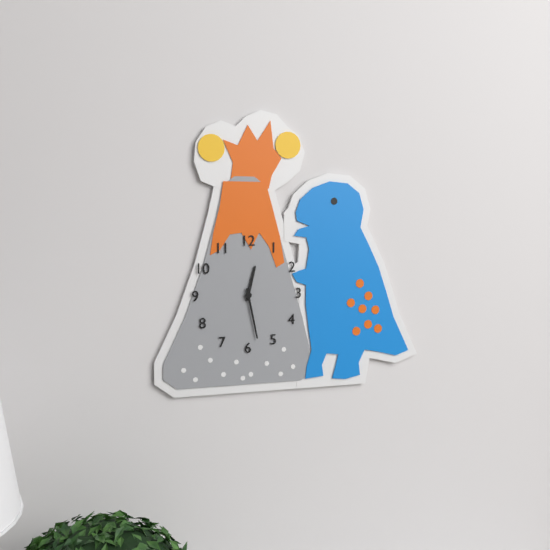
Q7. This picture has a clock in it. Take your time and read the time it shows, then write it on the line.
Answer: 12:28
